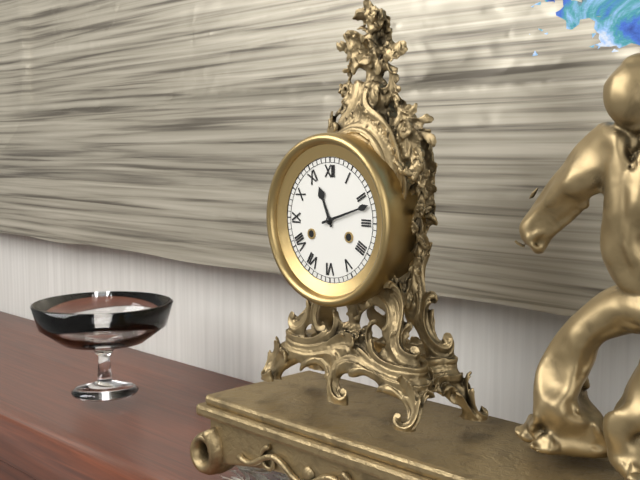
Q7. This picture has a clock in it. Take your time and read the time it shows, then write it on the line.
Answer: 11:12
